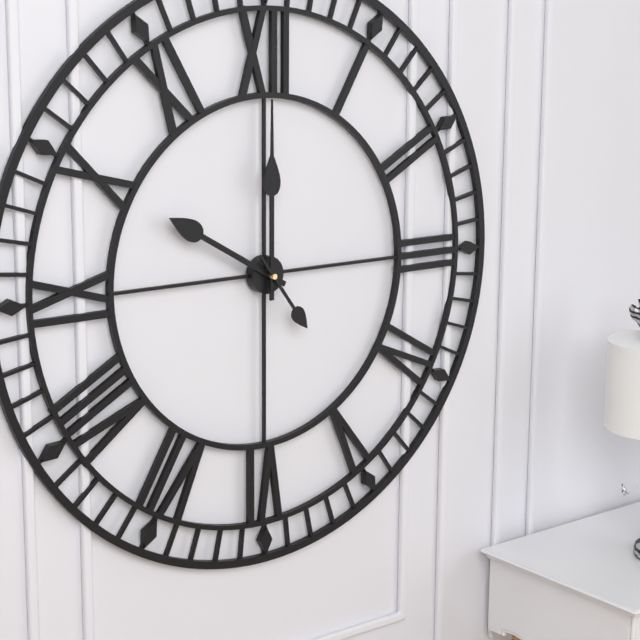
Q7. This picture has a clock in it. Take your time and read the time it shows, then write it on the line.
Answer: 10:00:24
